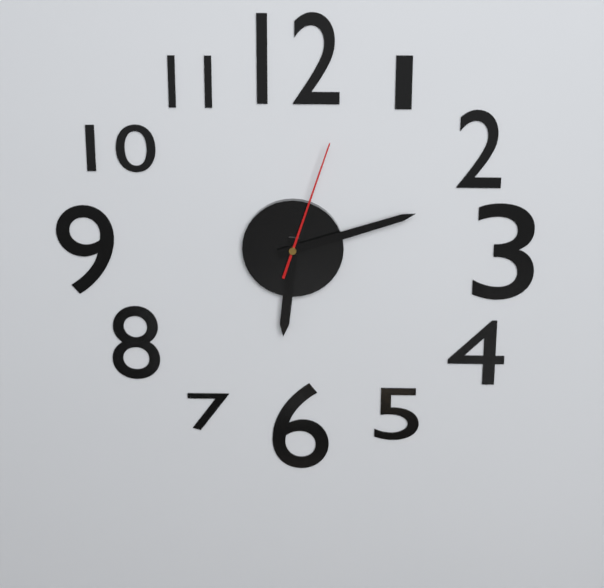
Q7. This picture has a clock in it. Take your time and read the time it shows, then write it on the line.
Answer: 6:12:03
